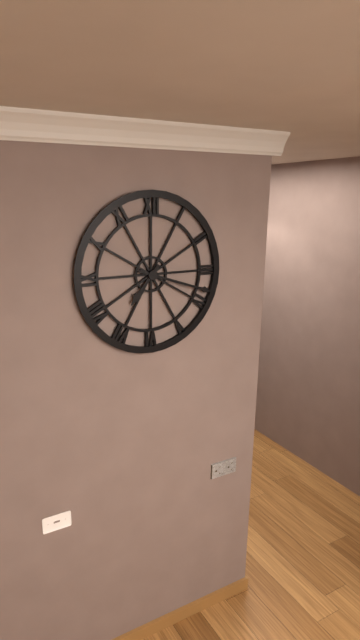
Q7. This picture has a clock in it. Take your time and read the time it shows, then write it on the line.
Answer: 7:18
